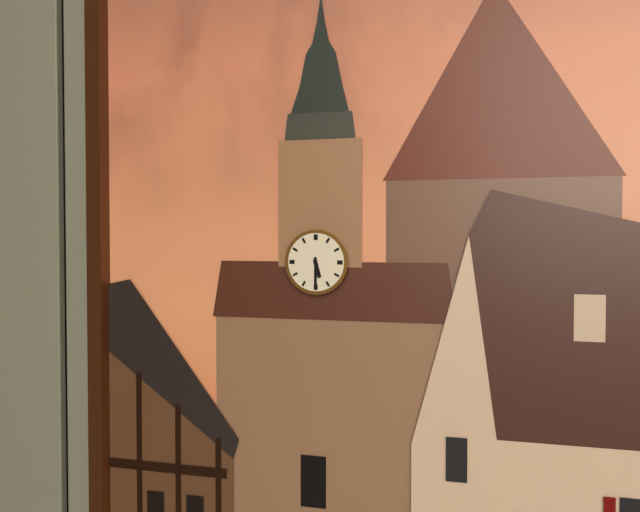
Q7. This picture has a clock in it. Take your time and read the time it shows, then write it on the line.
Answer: 5:30
